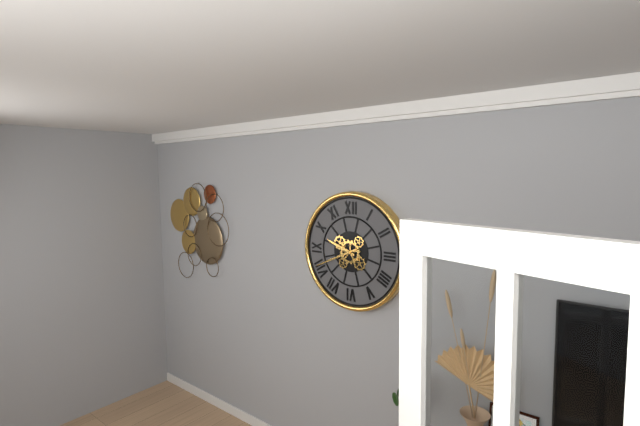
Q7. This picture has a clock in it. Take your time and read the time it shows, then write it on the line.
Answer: 9:41
